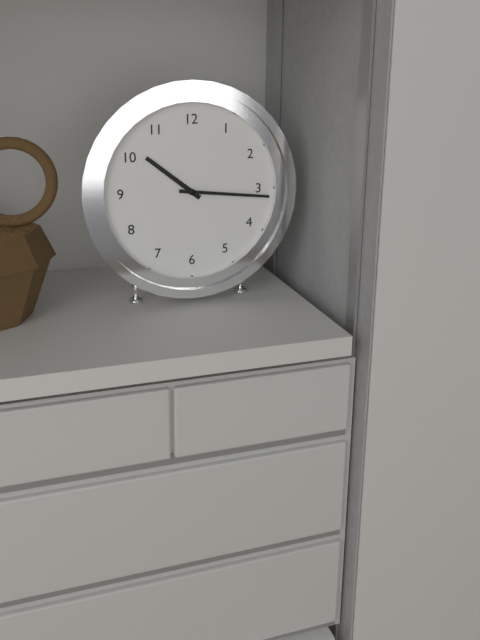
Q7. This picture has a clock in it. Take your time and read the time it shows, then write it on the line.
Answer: 10:16
